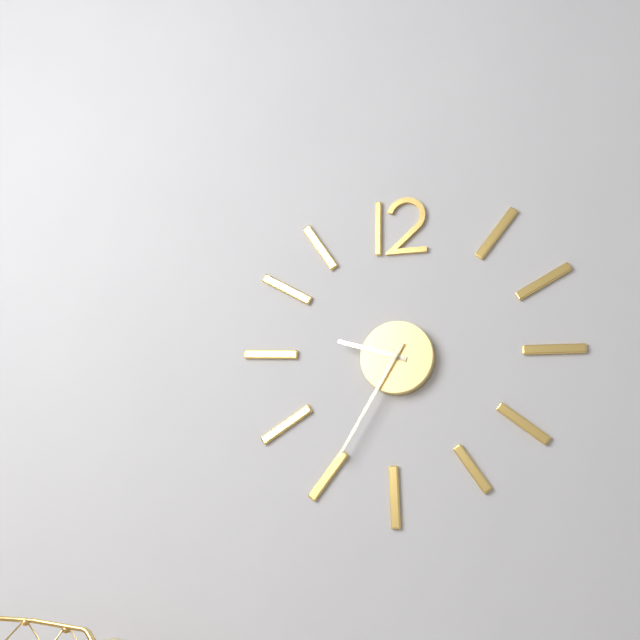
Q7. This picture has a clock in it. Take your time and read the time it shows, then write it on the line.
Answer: 9:35
